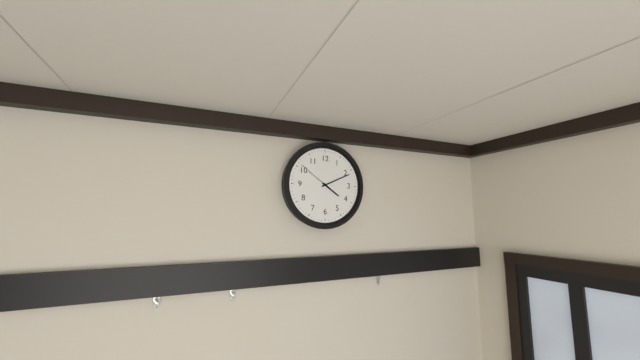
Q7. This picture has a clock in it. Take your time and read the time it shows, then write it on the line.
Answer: 4:11
